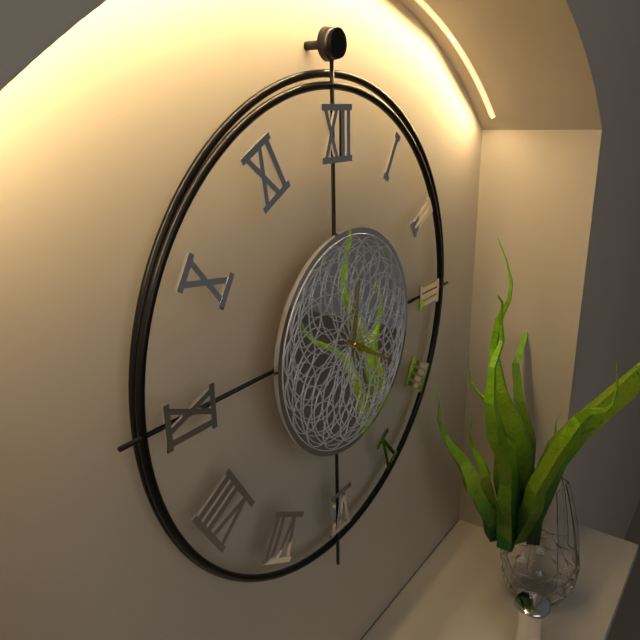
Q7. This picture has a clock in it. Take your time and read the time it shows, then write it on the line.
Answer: 12:20
